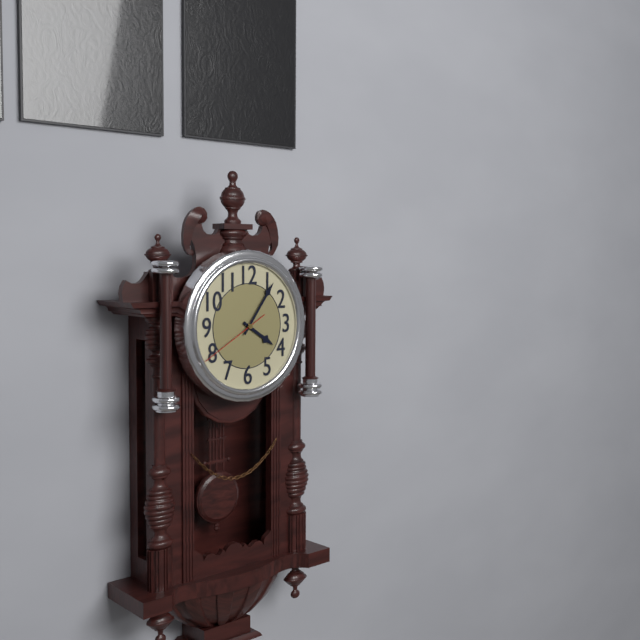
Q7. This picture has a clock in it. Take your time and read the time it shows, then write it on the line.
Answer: 4:06:40
